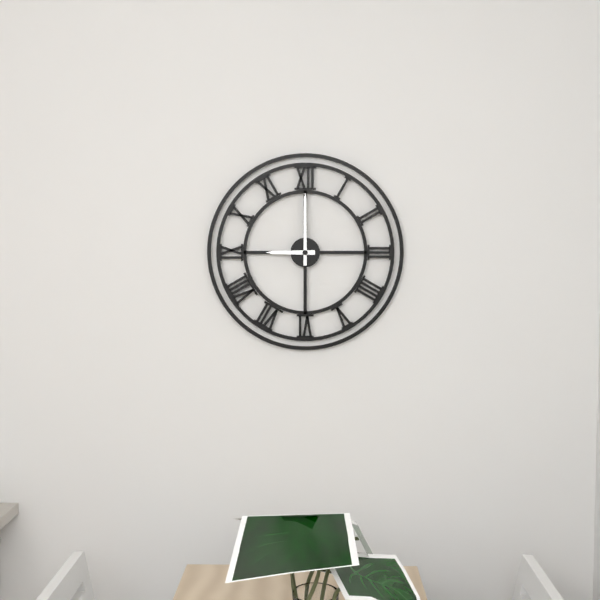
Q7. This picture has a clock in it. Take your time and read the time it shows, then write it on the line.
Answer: 9:00
